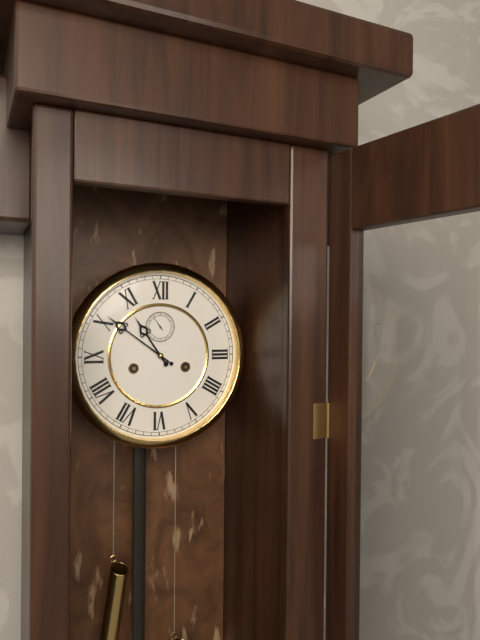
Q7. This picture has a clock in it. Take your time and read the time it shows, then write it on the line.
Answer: 10:51
